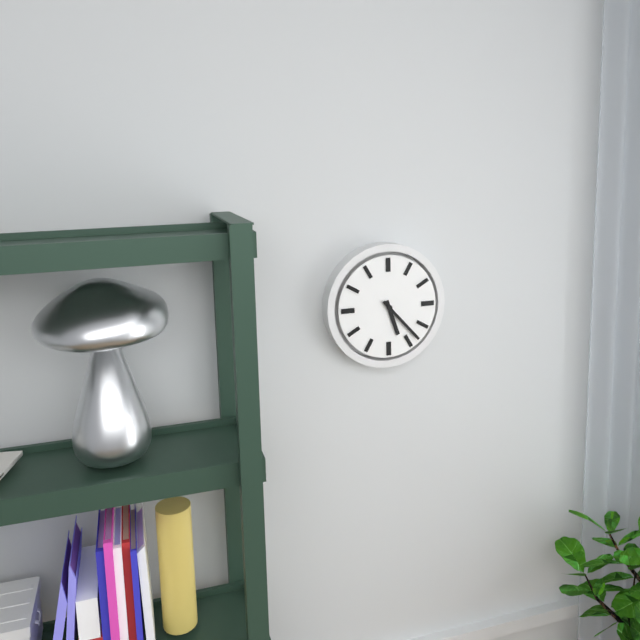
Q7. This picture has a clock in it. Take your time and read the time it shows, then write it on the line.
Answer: 5:23
